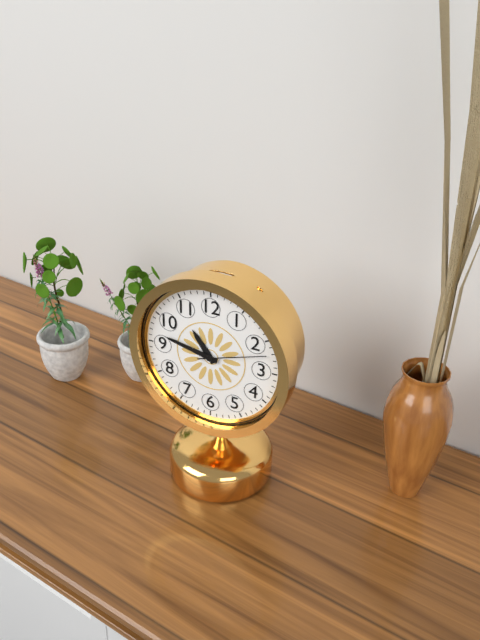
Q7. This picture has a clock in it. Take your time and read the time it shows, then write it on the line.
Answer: 10:47:12
